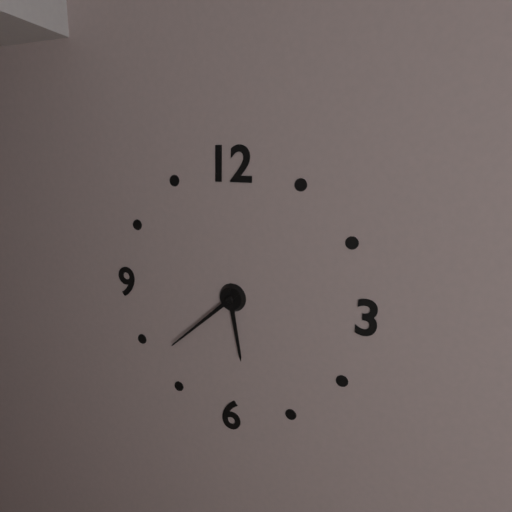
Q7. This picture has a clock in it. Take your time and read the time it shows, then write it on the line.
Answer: 5:38
